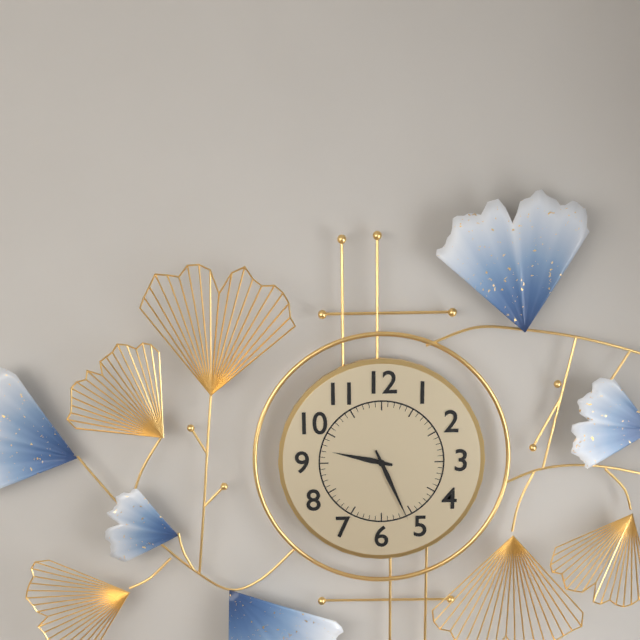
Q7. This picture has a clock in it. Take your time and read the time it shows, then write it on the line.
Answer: 9:26
